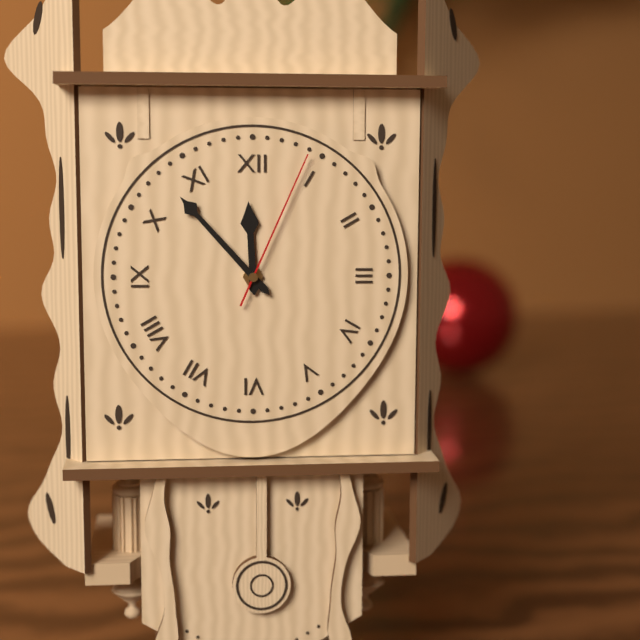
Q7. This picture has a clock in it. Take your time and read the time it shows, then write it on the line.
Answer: 11:53:04
